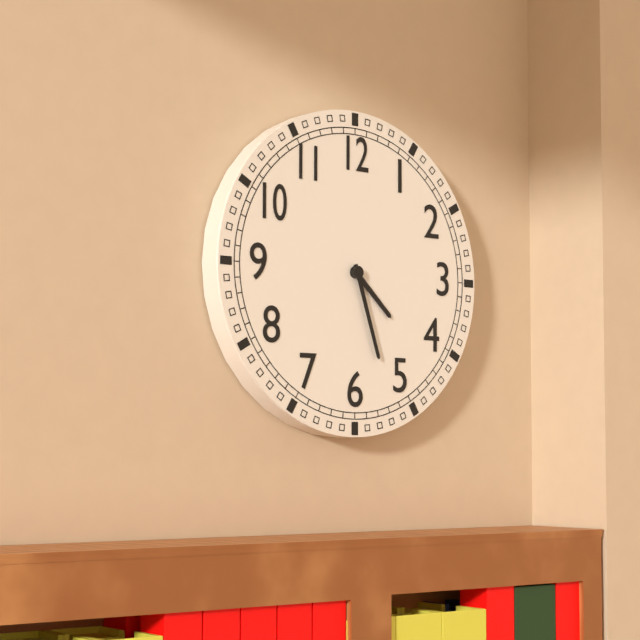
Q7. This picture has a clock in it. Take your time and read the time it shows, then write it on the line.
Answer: 4:27
